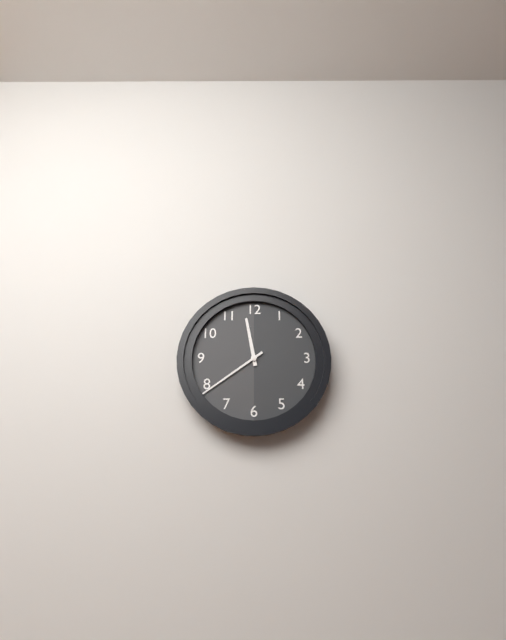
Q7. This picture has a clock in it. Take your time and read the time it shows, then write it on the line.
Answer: 11:39
